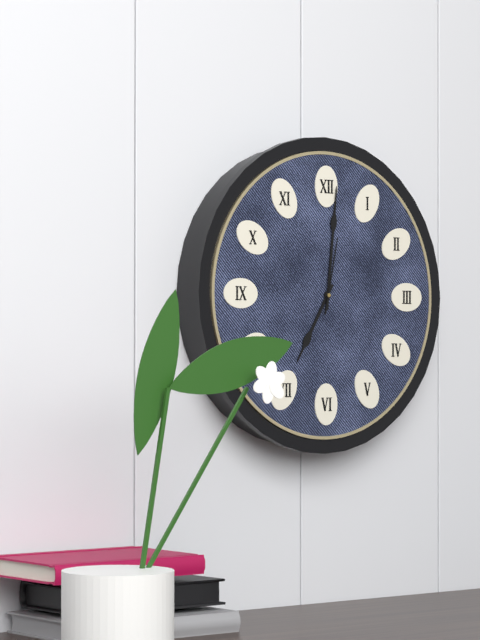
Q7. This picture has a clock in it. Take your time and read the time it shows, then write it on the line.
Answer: 7:01:02
